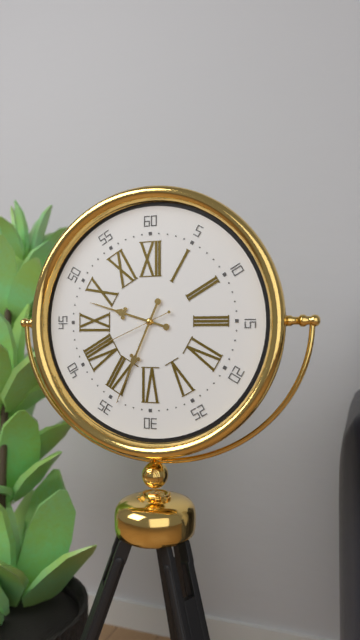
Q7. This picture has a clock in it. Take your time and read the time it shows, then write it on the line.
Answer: 9:34:41
